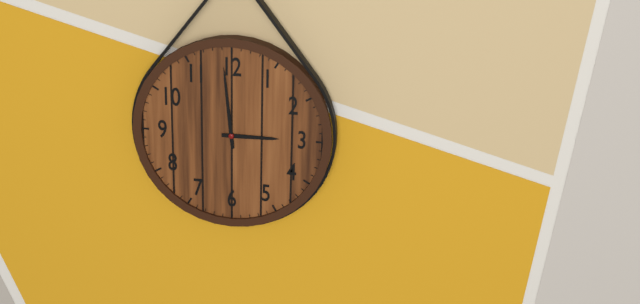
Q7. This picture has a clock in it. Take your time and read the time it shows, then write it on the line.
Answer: 2:59
